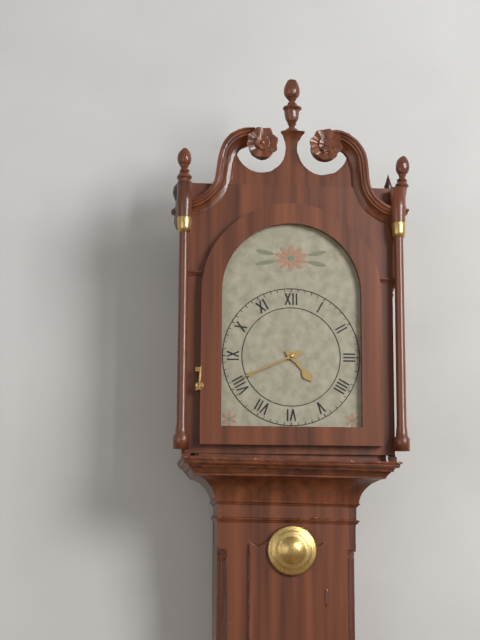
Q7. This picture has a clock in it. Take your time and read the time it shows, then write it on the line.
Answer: 4:41
